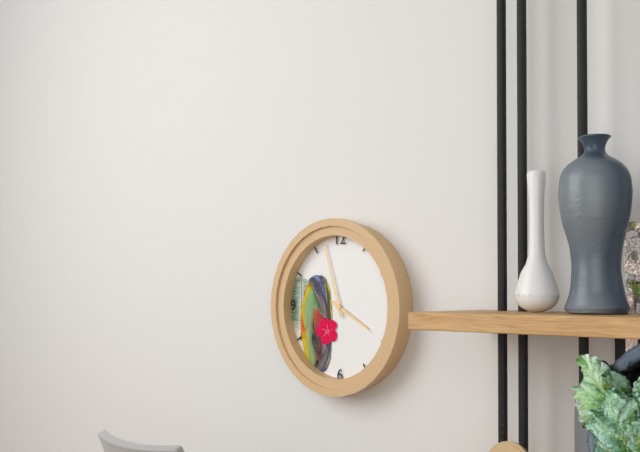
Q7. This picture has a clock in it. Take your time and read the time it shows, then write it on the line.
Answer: 3:57
